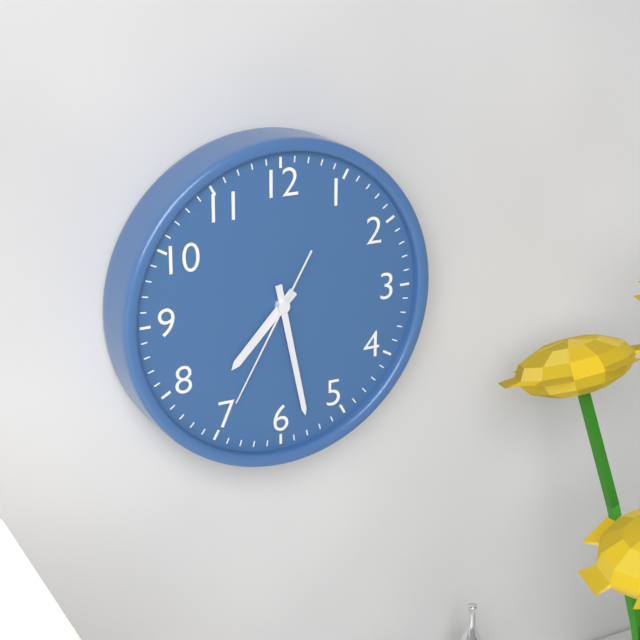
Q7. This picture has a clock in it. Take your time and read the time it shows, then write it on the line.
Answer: 7:28:35
